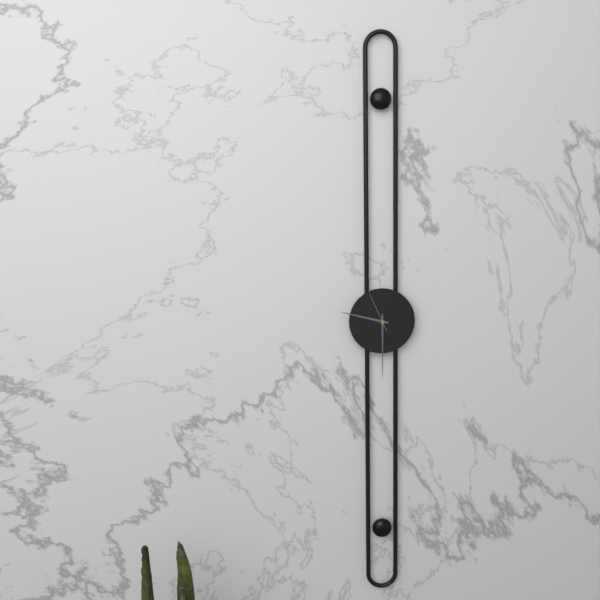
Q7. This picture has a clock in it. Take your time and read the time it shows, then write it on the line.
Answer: 9:30
